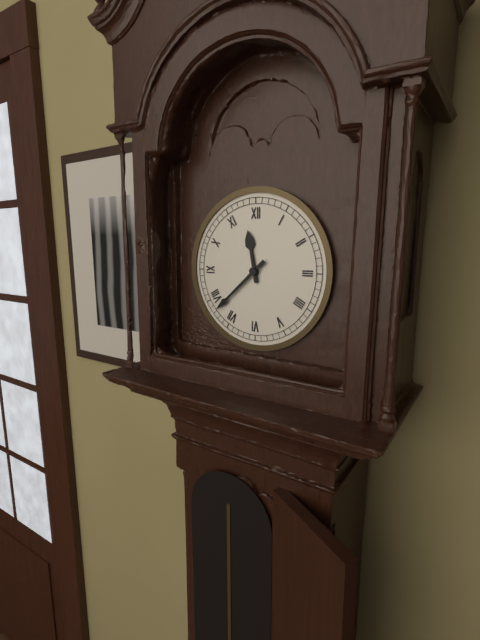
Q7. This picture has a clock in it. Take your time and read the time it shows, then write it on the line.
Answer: 11:38
